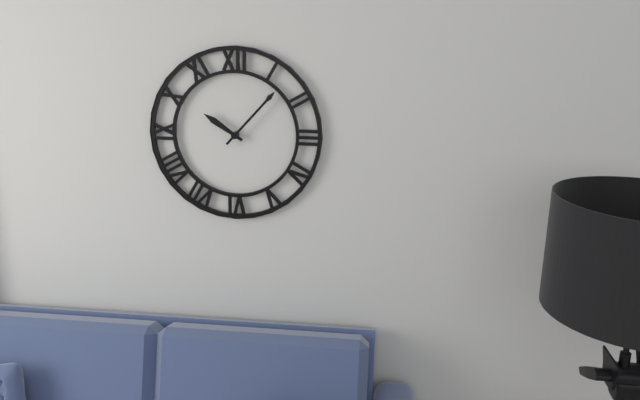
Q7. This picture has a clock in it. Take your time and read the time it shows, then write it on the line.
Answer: 10:07
